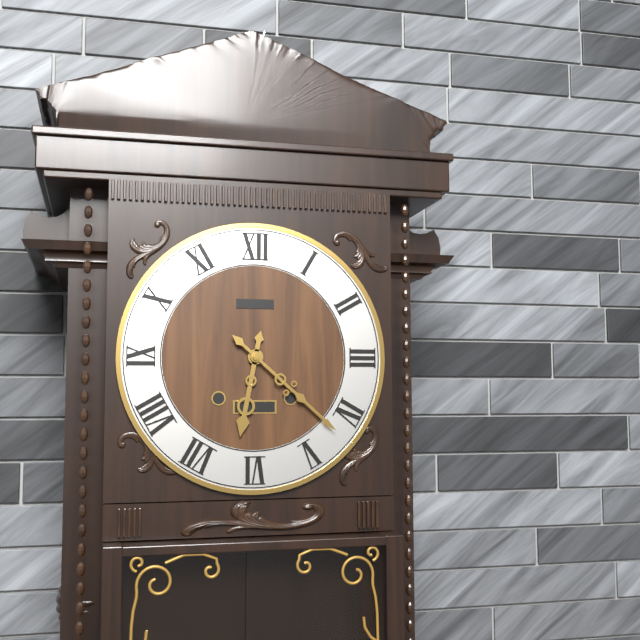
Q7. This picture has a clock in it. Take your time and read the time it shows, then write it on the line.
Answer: 6:22
